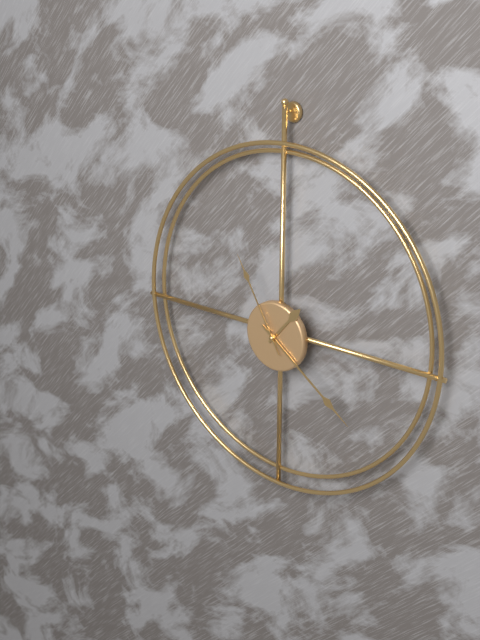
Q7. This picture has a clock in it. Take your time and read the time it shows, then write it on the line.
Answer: 1:21:55
